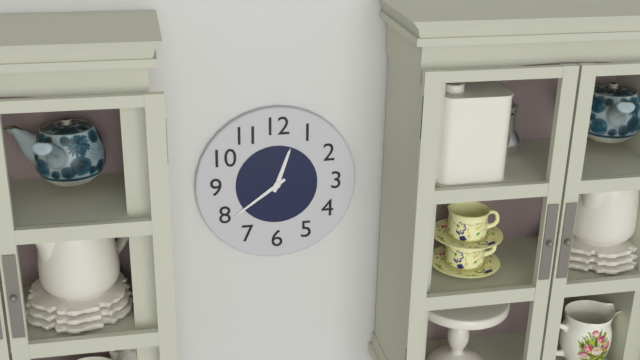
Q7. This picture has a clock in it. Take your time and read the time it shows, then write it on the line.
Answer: 12:39
